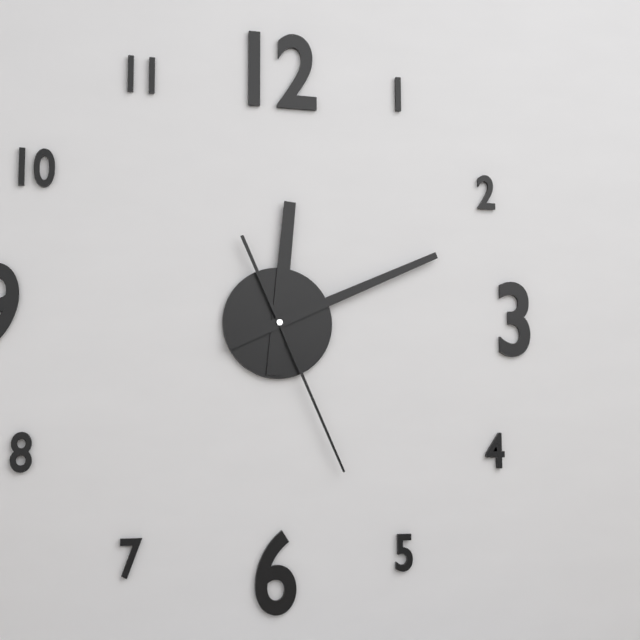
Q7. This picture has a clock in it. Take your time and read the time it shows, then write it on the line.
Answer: 12:11:26
